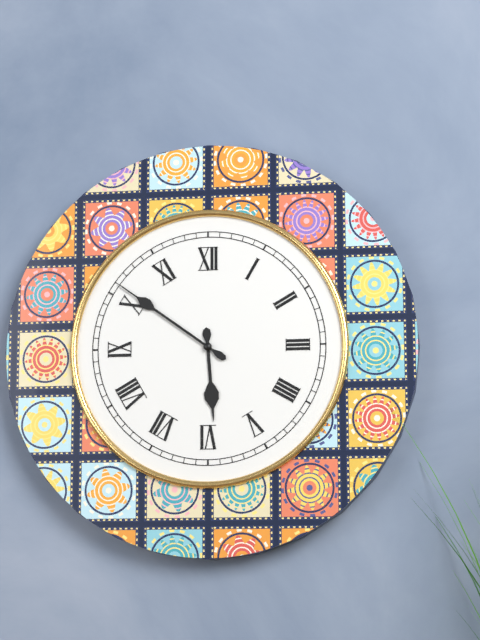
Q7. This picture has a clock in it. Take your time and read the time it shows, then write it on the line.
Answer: 5:51
